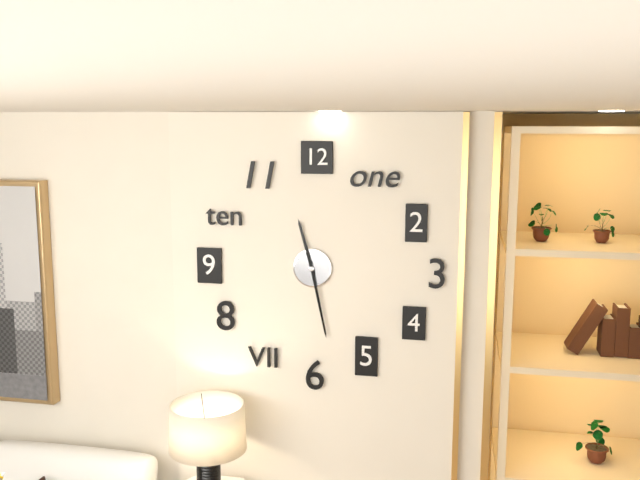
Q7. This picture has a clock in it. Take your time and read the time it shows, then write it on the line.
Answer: 11:28
